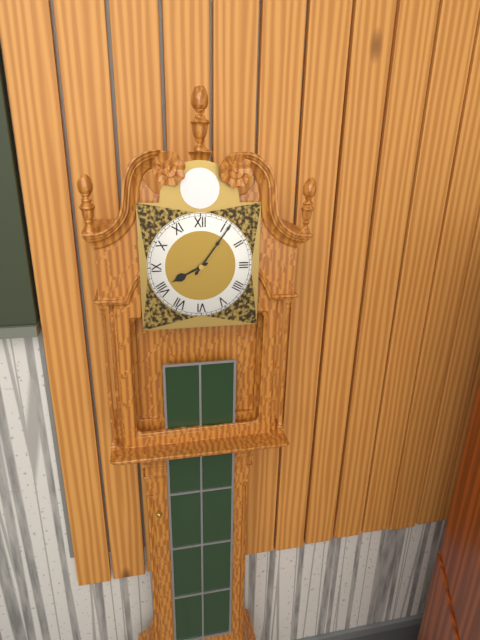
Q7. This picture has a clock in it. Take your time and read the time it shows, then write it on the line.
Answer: 8:06
